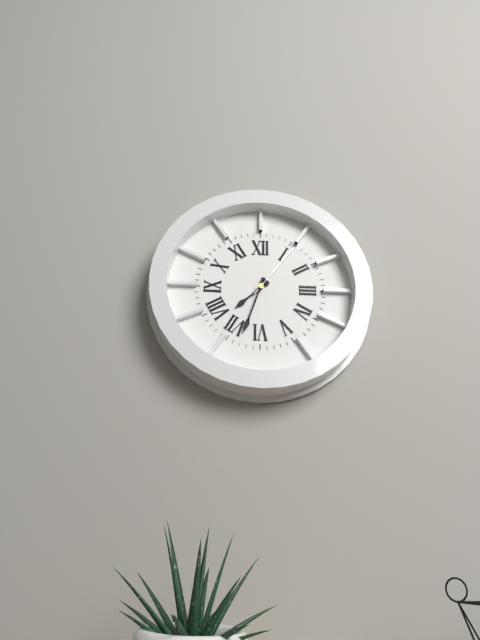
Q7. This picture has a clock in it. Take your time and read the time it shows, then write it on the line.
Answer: 7:33:06
